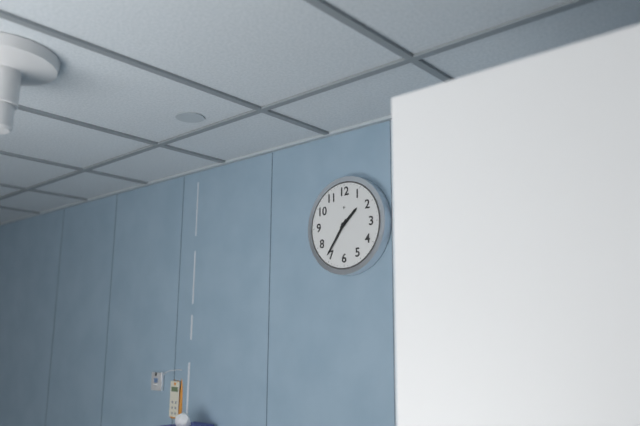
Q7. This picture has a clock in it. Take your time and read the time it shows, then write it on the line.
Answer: 1:36
